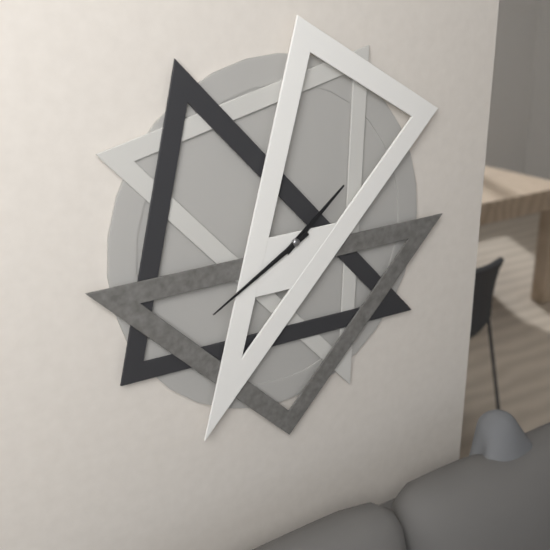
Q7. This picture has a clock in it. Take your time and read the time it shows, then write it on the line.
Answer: 1:40
